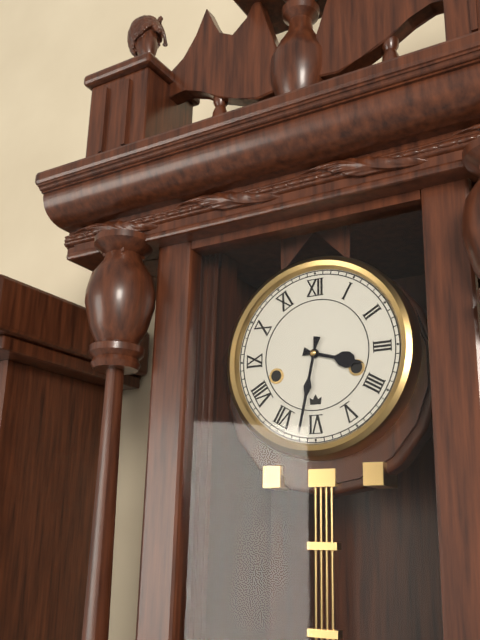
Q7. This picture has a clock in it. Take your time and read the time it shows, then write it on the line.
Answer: 3:32
